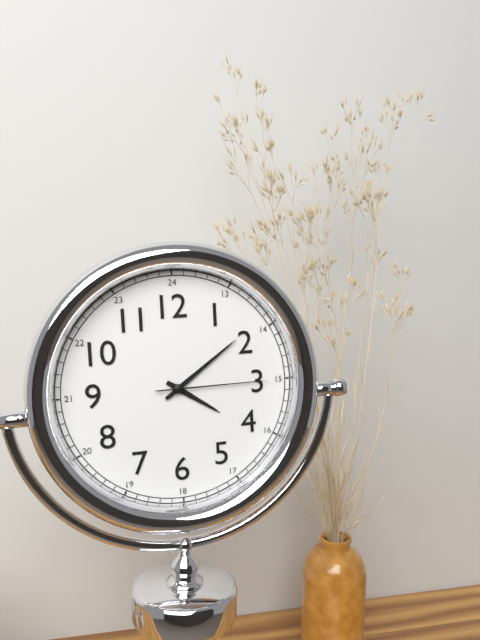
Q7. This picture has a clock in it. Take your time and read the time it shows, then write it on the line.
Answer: 4:09:15
